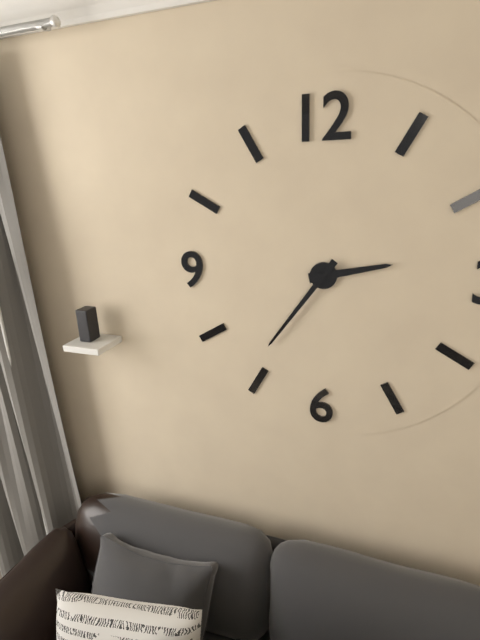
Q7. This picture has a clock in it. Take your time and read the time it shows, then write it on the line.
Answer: 2:36
